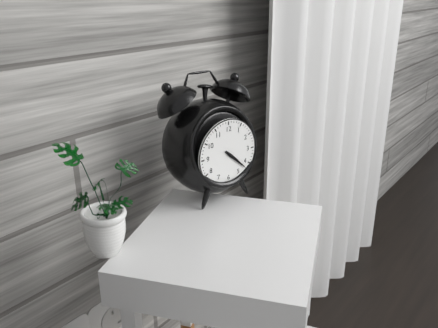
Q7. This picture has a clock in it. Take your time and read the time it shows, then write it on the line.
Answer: 4:22
